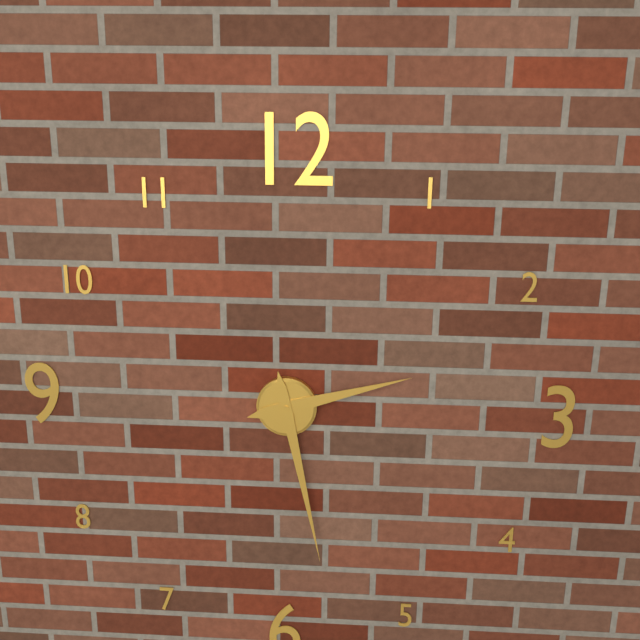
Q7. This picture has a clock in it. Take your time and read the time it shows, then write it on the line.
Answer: 2:28
